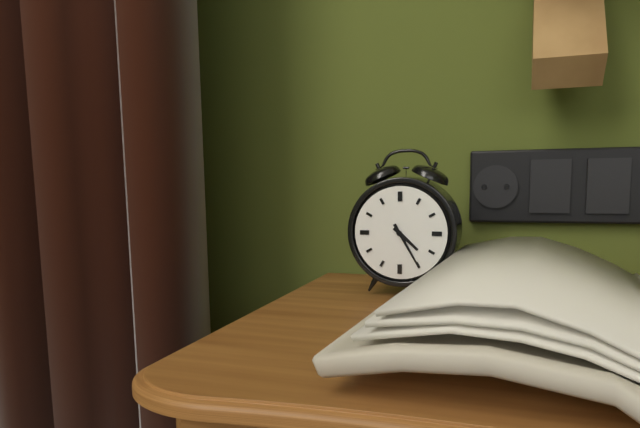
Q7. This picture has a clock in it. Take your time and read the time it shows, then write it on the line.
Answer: 4:25
